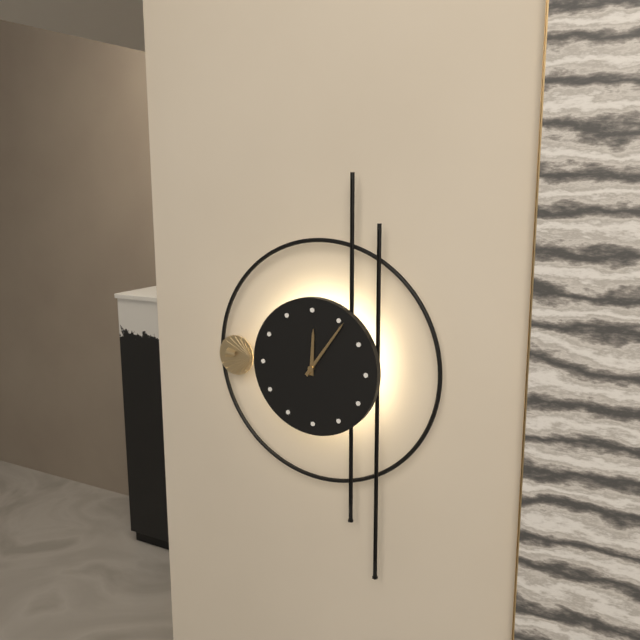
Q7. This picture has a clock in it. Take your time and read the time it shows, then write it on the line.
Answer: 12:06
